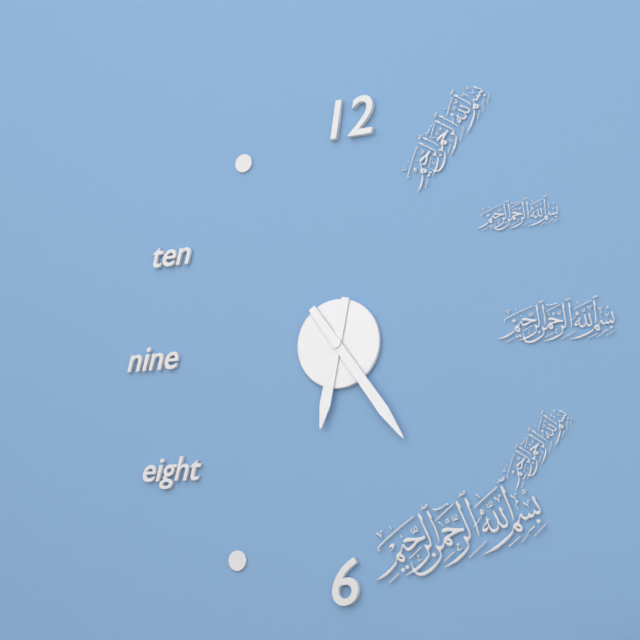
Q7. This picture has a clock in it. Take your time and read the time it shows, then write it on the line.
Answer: 6:24
